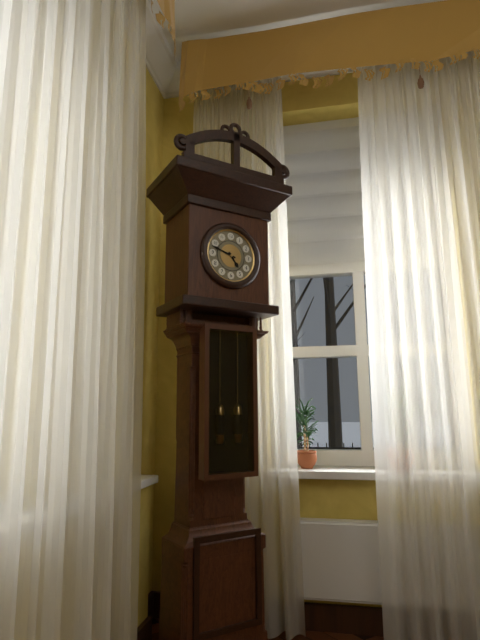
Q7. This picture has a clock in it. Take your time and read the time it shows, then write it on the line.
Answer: 4:48
